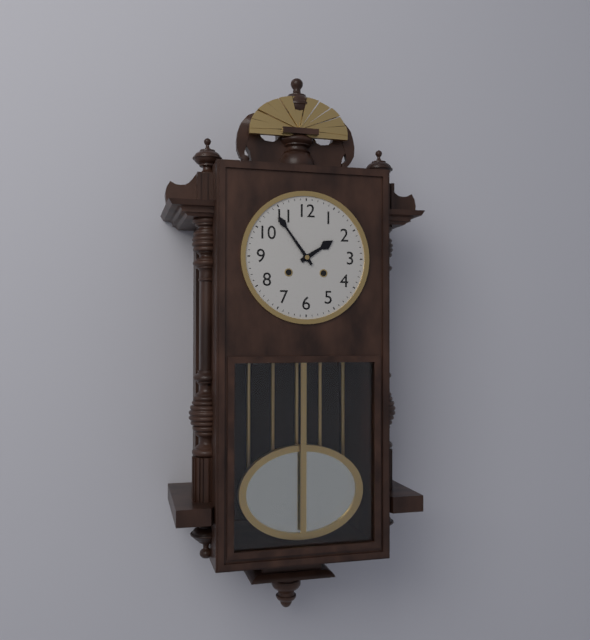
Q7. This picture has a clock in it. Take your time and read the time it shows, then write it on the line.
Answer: 1:54
